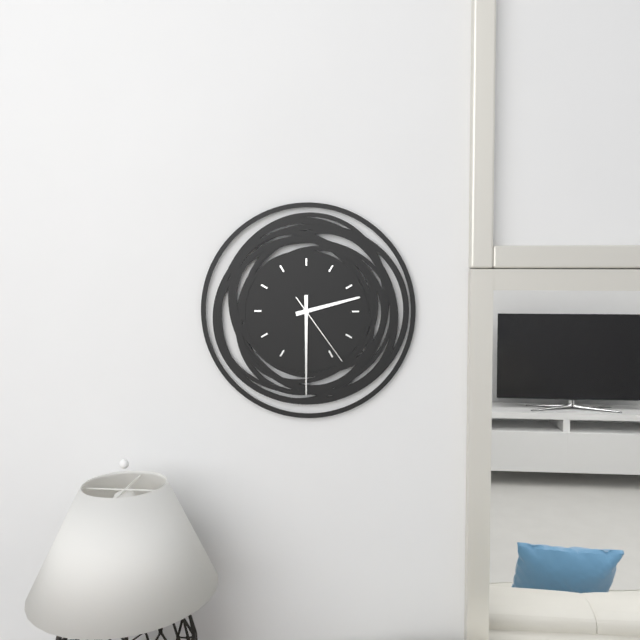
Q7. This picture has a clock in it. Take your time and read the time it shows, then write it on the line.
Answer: 2:30:24
